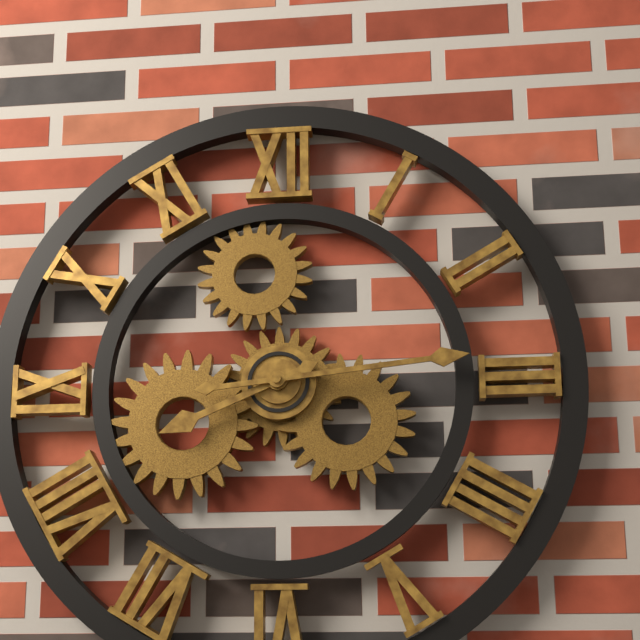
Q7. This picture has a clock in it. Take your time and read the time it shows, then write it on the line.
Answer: 8:14
